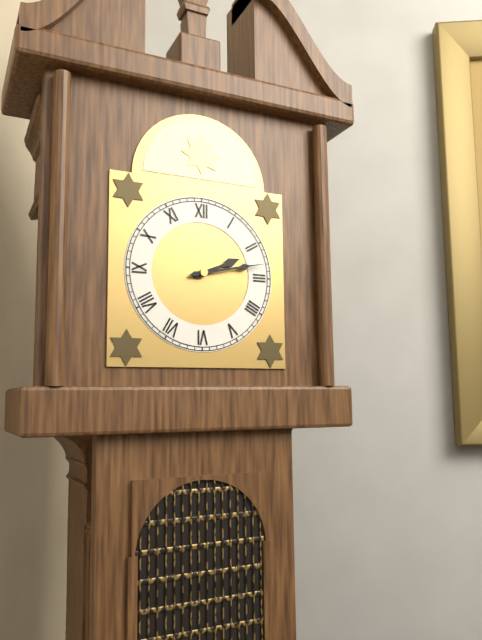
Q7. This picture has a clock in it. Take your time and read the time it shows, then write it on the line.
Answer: 2:13
